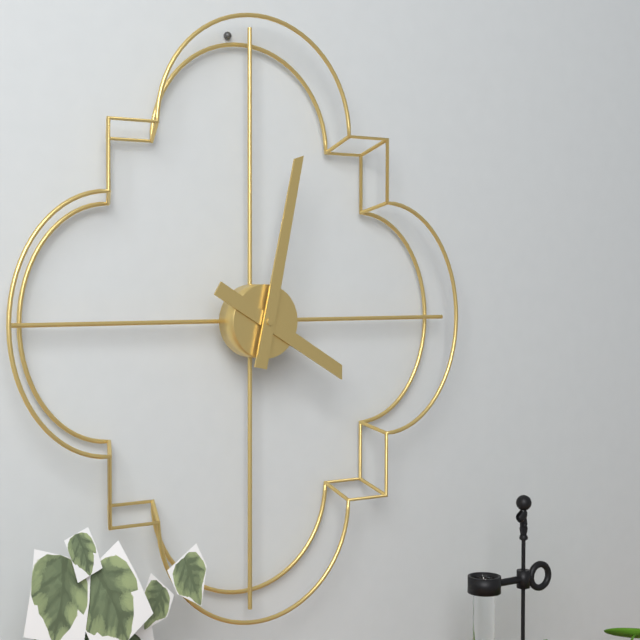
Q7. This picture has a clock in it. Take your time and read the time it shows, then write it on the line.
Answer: 4:02
